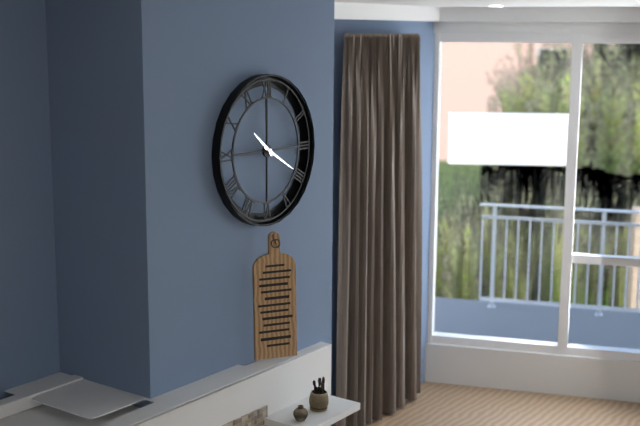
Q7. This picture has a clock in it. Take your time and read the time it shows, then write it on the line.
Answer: 10:20
